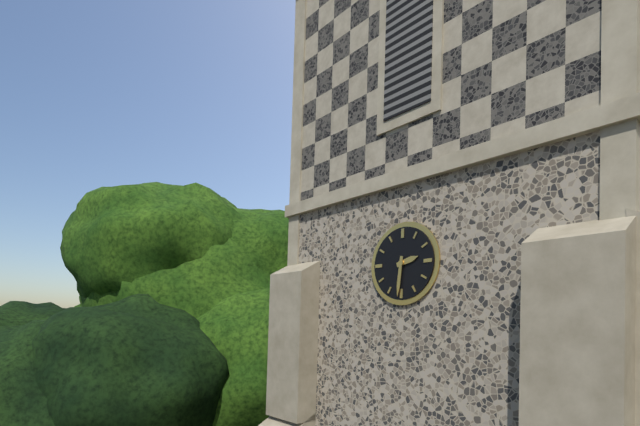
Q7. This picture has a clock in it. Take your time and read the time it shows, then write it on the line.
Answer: 2:31
